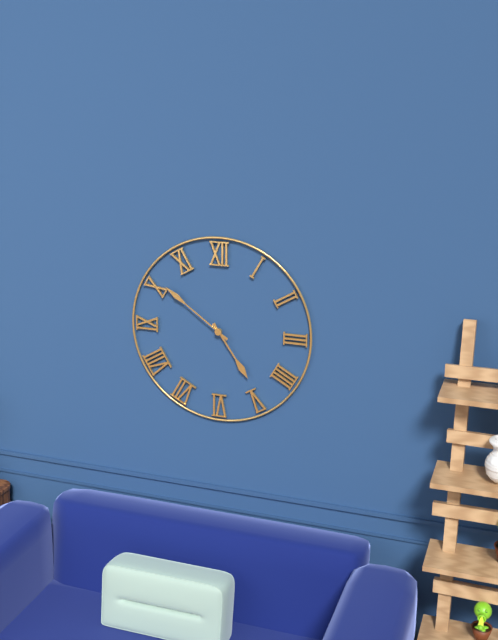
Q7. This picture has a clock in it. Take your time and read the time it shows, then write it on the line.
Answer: 4:51
